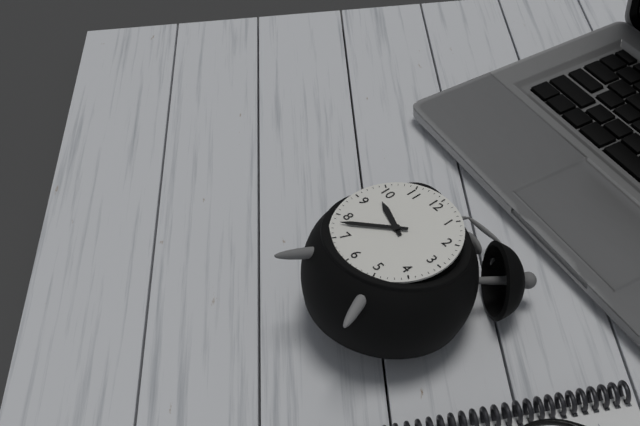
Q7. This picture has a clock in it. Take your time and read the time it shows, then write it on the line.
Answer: 9:38
